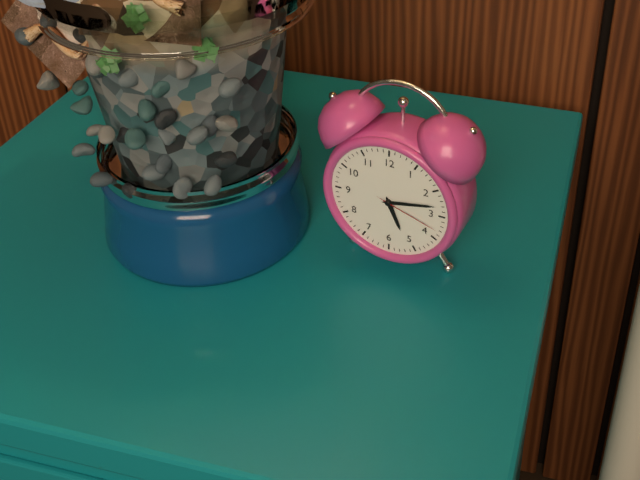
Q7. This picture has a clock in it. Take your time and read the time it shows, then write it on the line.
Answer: 5:13:18
